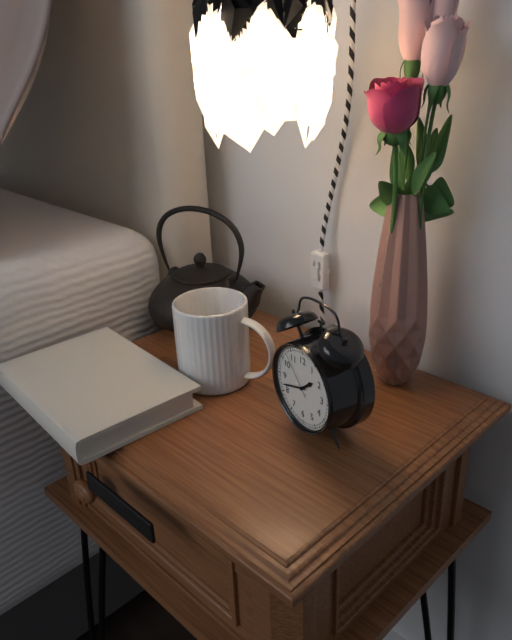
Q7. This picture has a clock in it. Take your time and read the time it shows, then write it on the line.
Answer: 1:42
